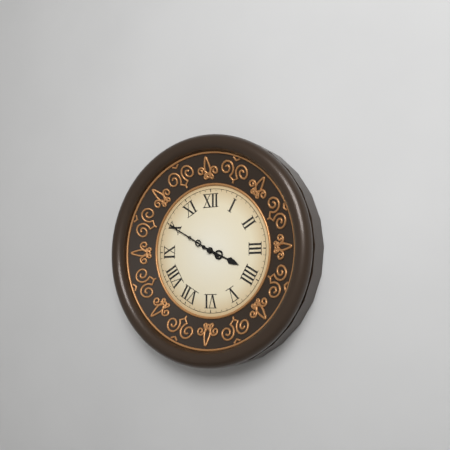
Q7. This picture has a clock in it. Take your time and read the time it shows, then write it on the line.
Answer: 3:50
